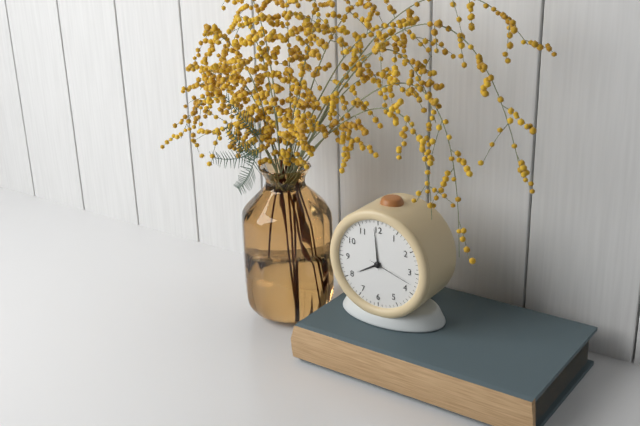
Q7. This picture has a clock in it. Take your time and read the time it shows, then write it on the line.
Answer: 7:59:18
